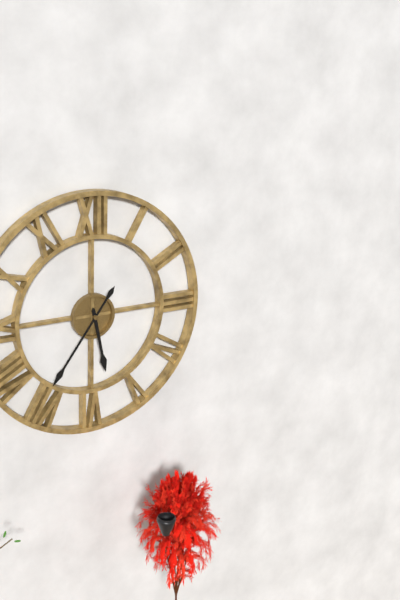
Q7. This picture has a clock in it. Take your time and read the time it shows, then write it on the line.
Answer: 5:36
